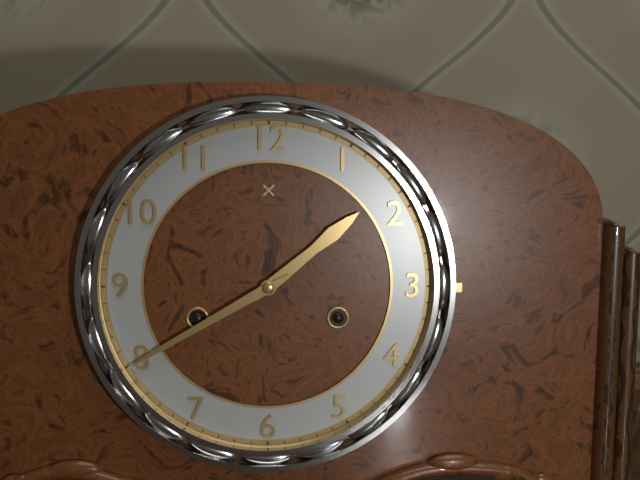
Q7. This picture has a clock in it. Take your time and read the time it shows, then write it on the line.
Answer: 1:40
